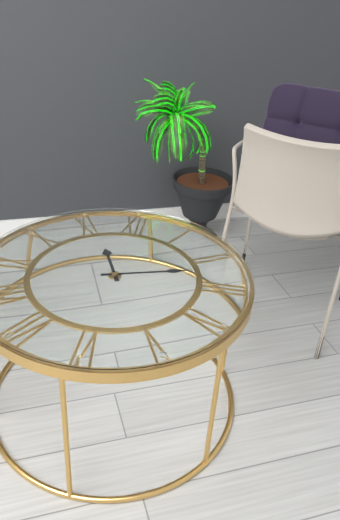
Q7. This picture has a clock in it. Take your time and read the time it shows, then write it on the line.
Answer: 11:12
